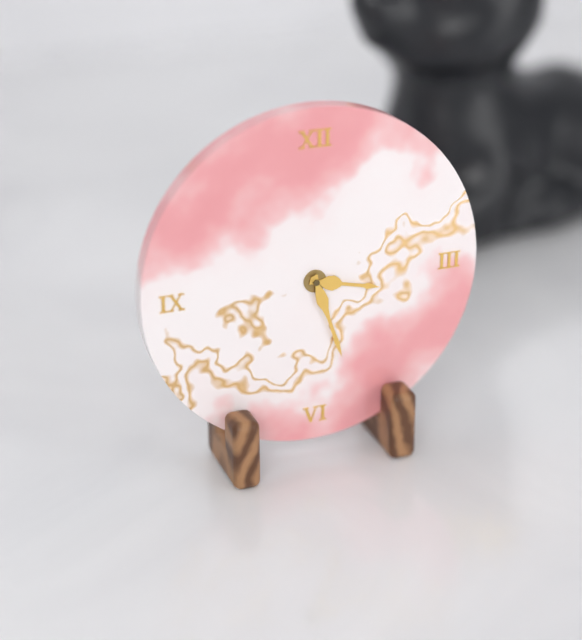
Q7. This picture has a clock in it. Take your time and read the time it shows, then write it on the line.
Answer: 3:27
